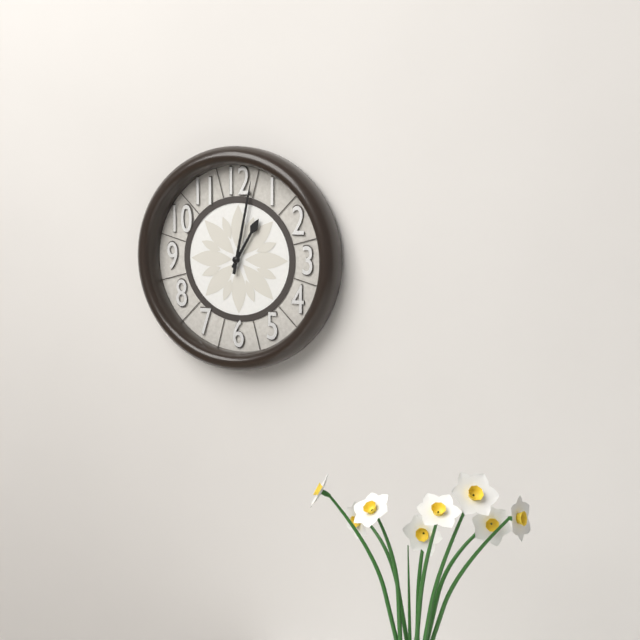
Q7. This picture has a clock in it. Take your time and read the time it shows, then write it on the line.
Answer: 1:02
